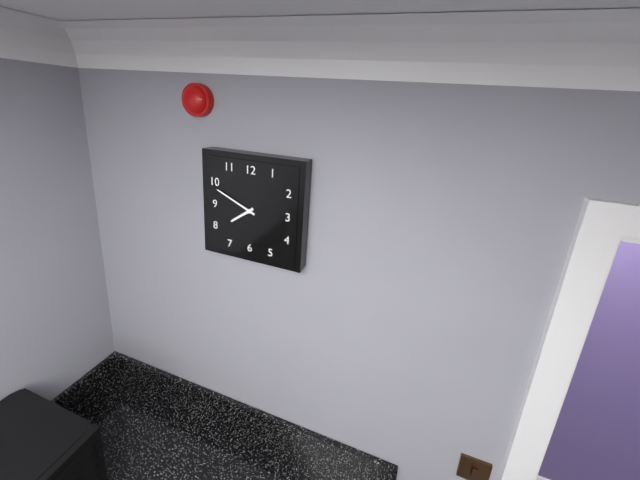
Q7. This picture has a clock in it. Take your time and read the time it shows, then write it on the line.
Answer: 7:49
